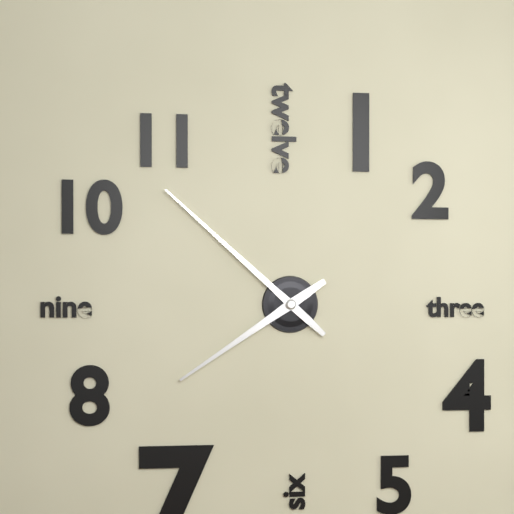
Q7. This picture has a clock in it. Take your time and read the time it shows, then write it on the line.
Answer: 7:52
